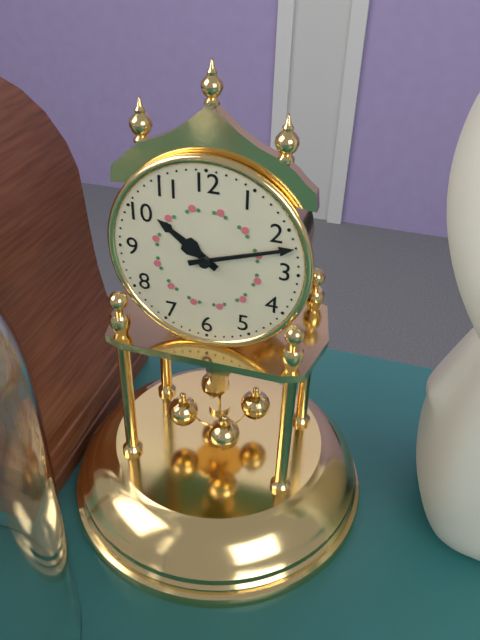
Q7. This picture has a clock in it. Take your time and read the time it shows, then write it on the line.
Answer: 10:12
